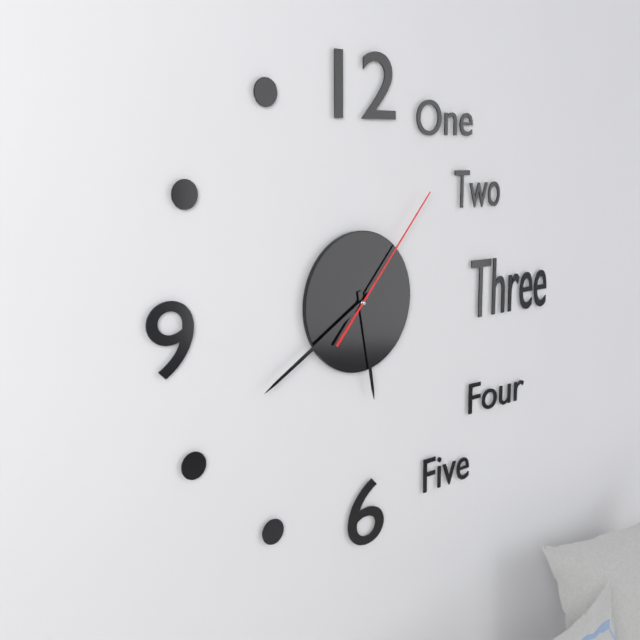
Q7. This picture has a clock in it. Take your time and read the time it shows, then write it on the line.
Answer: 5:40:07
